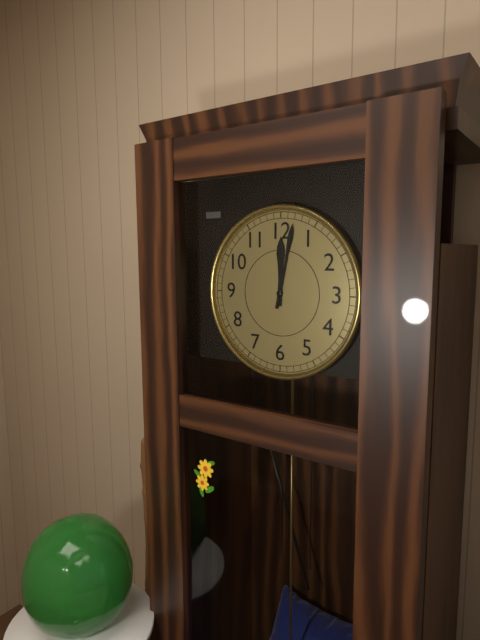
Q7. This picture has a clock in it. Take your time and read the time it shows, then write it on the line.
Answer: 12:02
